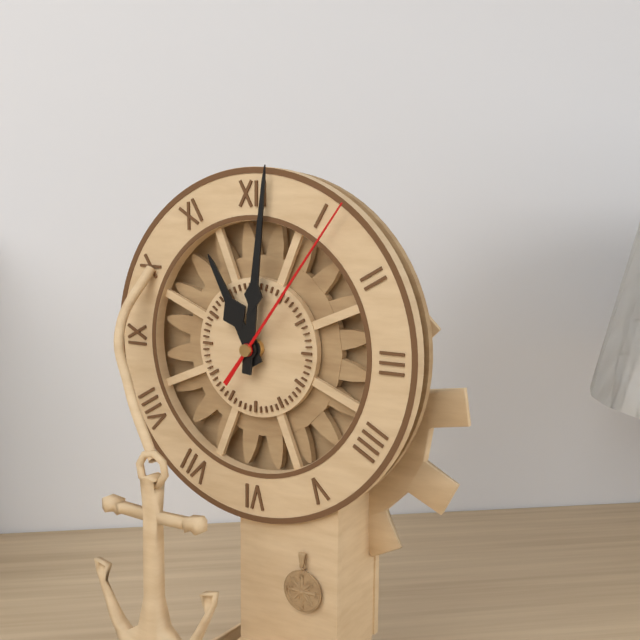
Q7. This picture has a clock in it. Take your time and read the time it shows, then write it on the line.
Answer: 11:01:06
